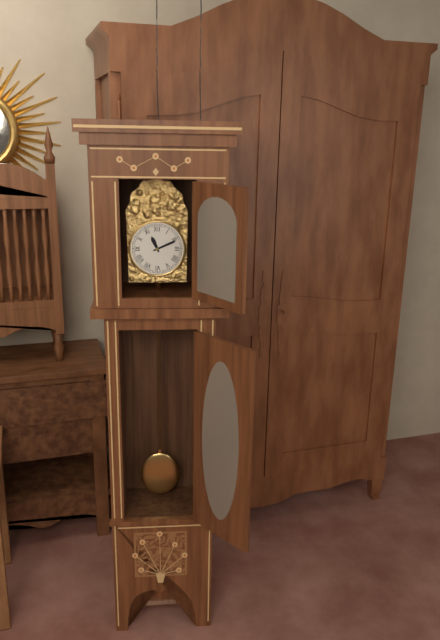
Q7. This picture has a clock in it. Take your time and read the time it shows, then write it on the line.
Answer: 11:11
